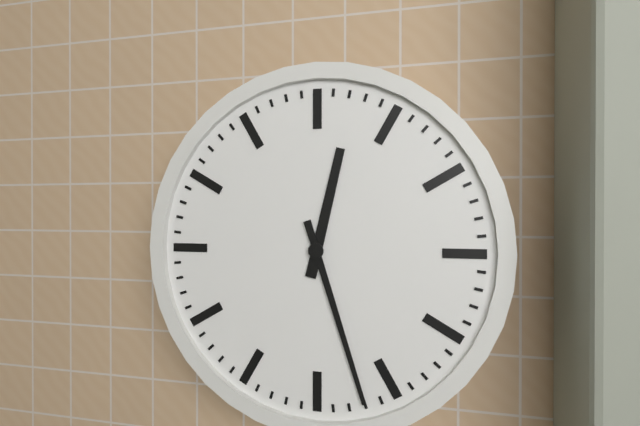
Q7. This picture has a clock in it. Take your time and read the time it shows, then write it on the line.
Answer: 12:27
